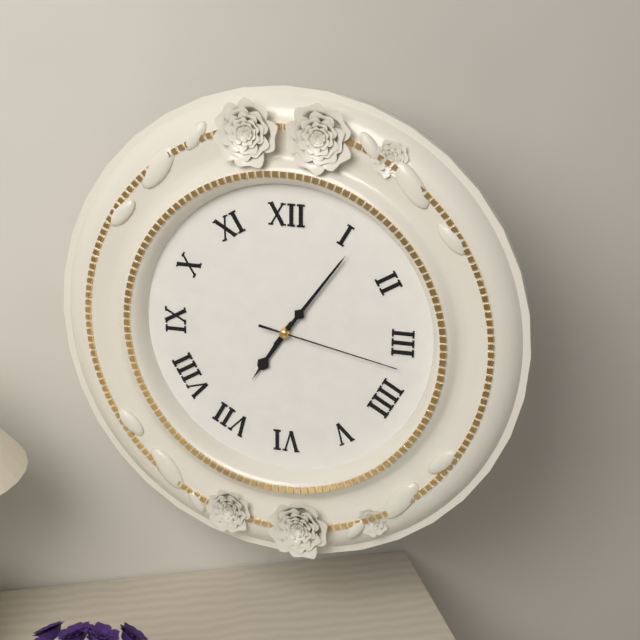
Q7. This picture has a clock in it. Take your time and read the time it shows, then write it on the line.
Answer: 7:06:17
